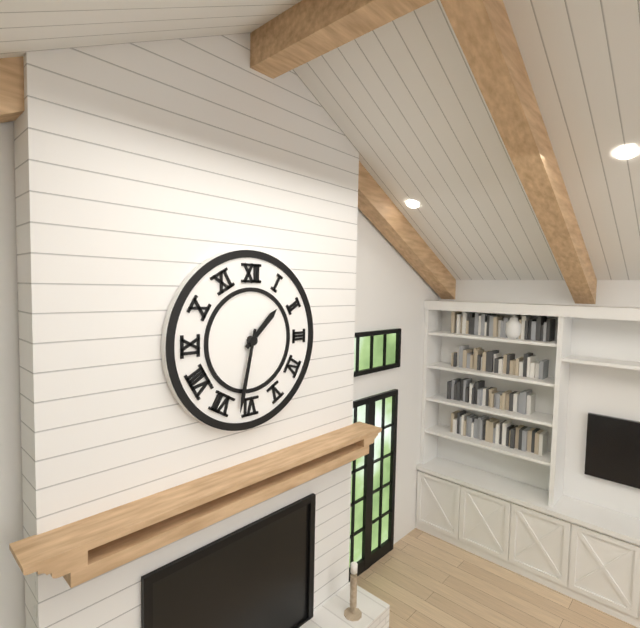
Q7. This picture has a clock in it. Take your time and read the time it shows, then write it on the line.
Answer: 1:32
